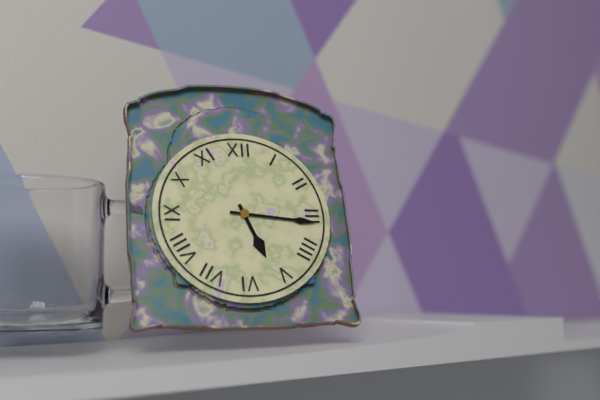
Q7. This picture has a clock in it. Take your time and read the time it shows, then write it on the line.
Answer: 5:16
